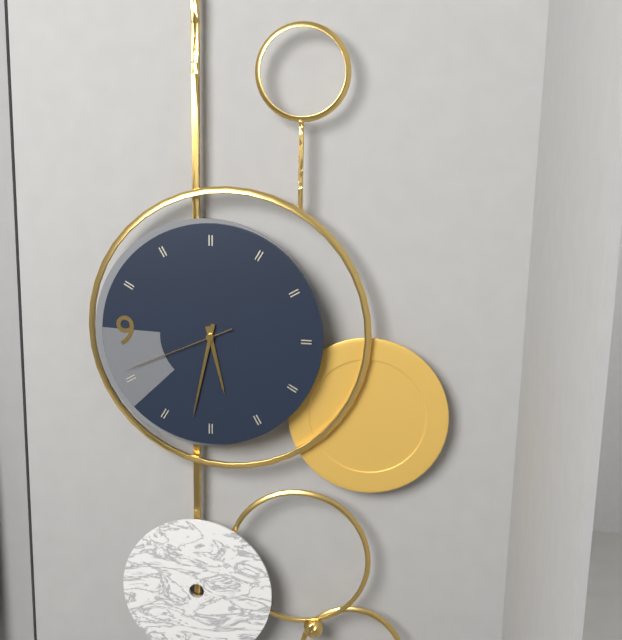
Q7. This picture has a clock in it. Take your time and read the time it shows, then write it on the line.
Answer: 5:32:41
